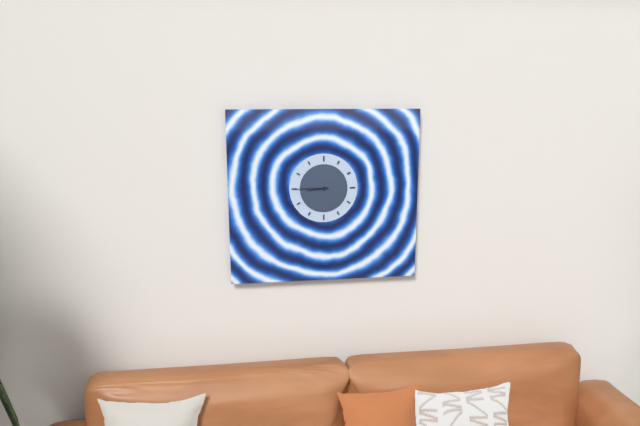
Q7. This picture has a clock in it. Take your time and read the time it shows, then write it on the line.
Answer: 8:45
